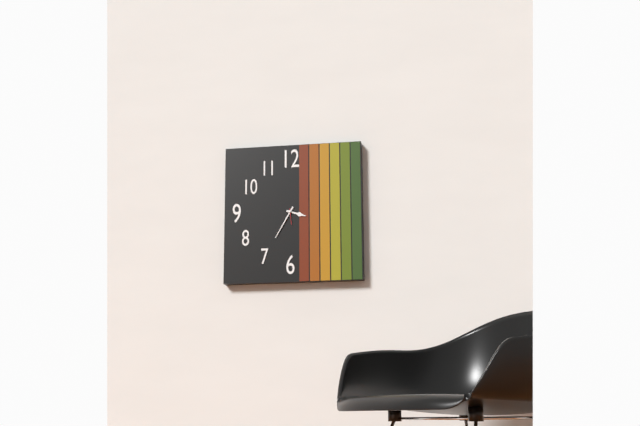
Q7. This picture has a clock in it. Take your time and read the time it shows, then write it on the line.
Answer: 3:35
